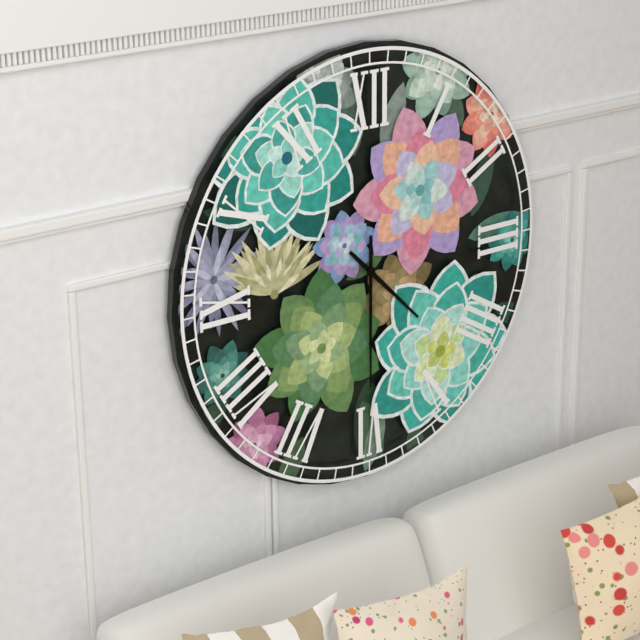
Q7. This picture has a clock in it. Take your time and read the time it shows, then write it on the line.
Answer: 4:30
